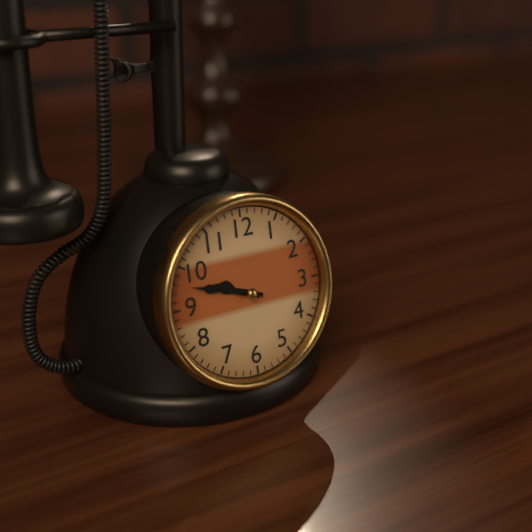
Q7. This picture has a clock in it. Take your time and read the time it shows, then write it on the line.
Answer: 9:48
